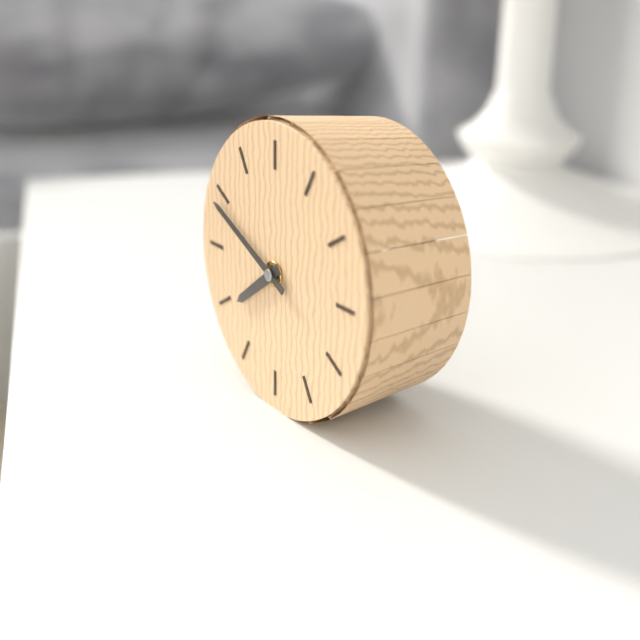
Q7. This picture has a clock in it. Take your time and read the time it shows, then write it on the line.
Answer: 7:49
